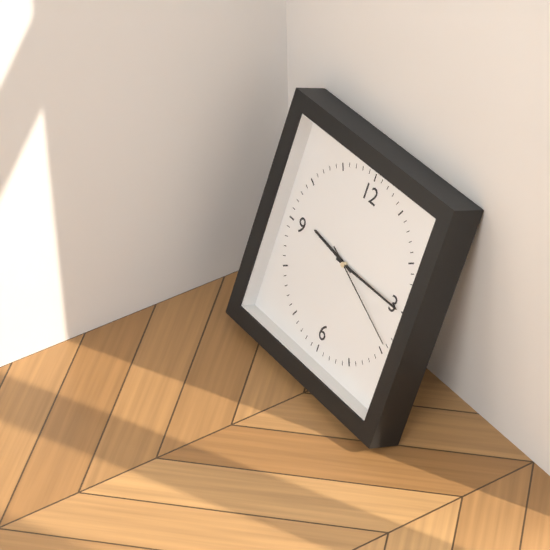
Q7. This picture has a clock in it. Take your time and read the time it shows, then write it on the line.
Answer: 9:15:19
